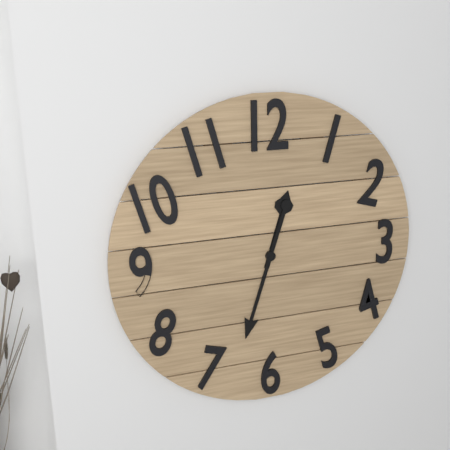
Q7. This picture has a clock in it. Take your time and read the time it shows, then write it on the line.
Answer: 12:33
